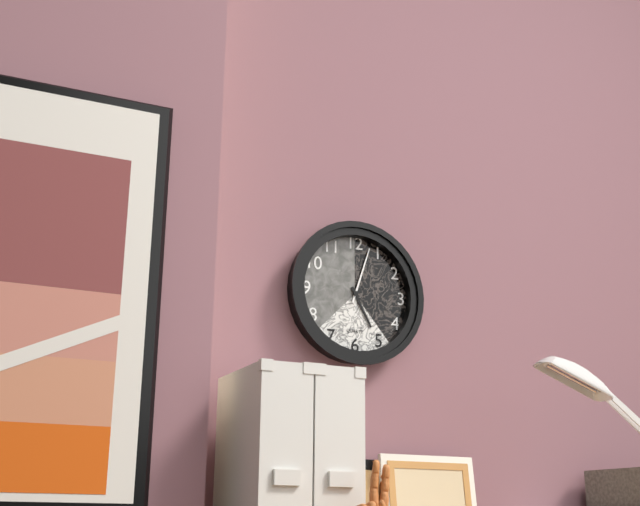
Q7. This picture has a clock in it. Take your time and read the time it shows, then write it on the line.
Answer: 5:03
